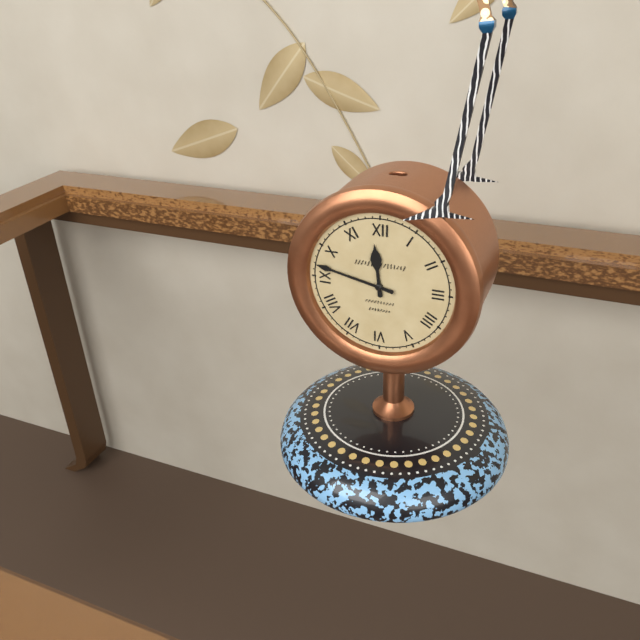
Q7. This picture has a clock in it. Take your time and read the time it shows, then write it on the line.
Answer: 11:47
